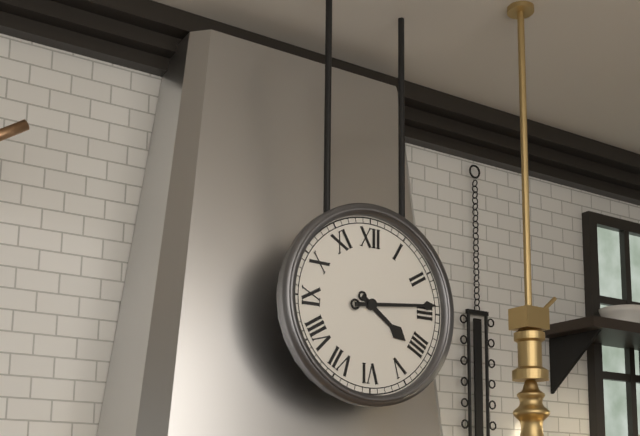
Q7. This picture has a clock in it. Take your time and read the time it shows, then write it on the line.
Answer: 4:14
